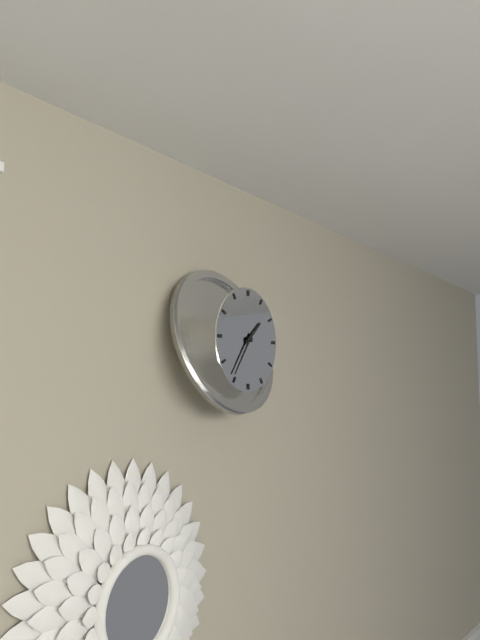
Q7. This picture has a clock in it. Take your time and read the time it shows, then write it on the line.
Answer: 1:36
